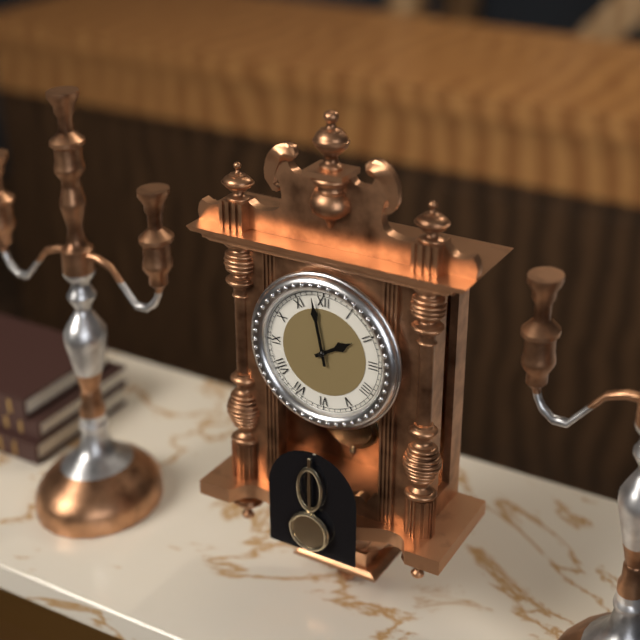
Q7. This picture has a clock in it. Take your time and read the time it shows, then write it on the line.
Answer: 1:58
